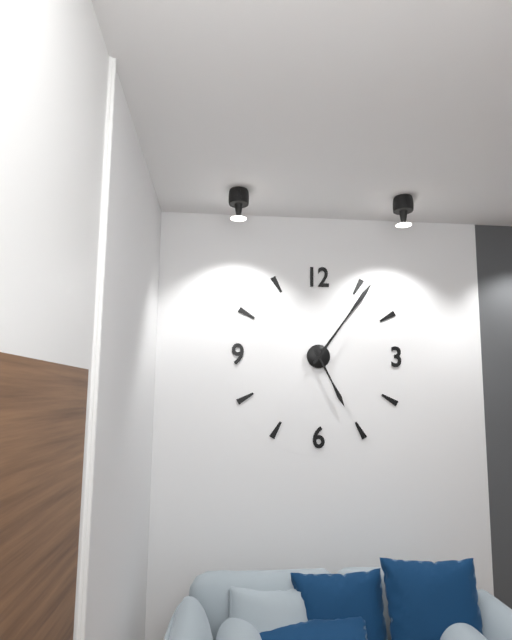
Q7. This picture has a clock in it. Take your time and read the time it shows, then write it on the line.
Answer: 5:06
